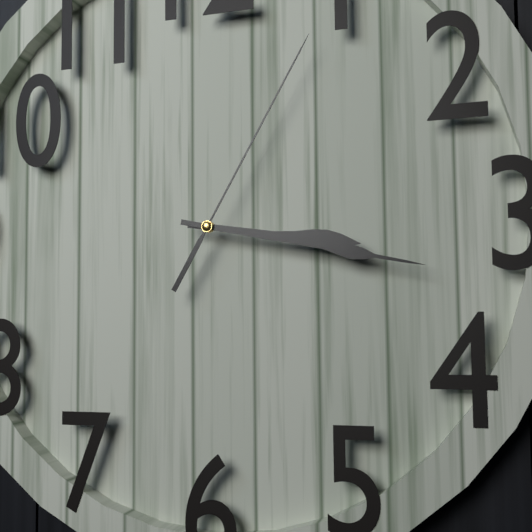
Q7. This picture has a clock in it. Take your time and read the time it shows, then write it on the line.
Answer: 3:17:05
